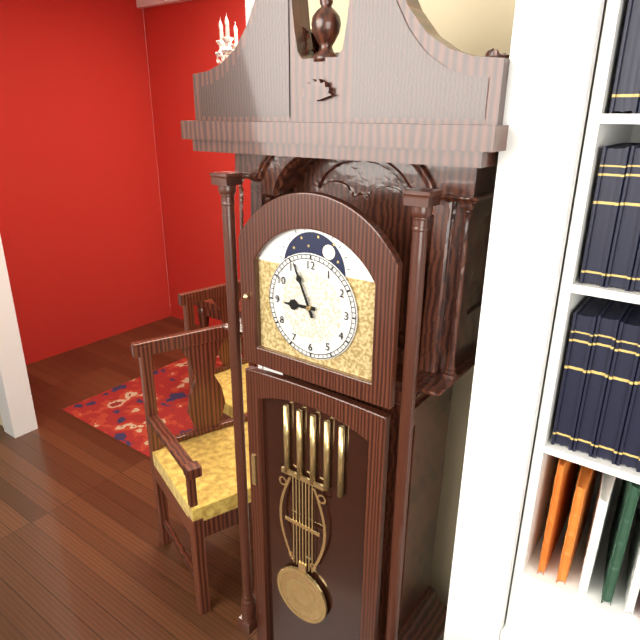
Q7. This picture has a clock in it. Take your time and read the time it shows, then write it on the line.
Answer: 8:56
